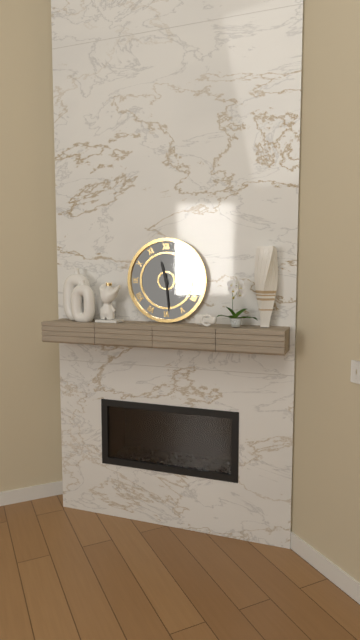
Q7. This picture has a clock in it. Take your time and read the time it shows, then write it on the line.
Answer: 11:29
